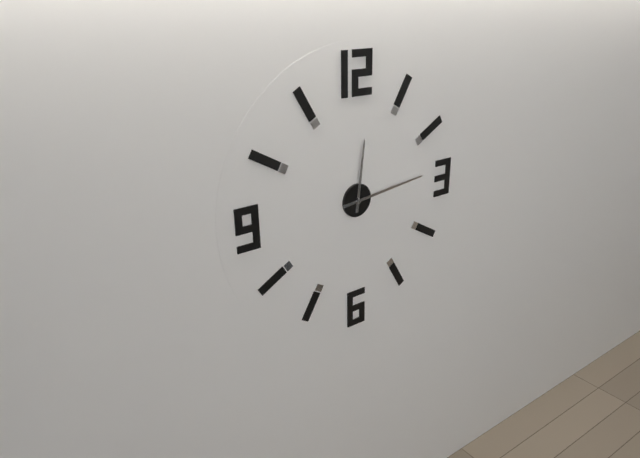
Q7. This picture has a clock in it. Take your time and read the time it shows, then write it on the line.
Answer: 12:14
